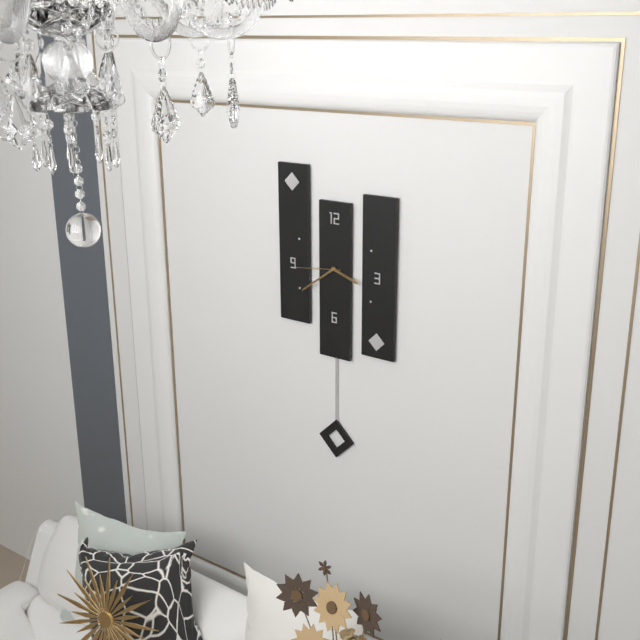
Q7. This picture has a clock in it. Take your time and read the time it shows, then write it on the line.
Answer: 3:39:44
